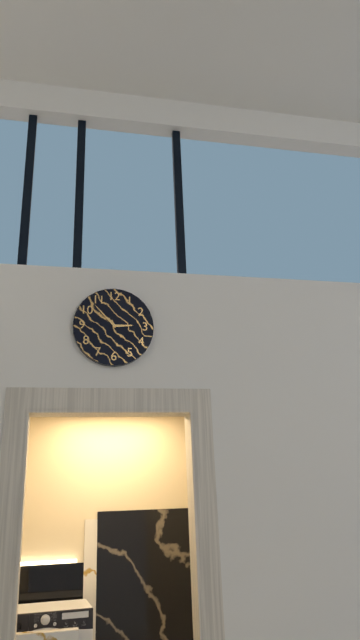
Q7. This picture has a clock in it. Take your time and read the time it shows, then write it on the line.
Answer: 2:53
